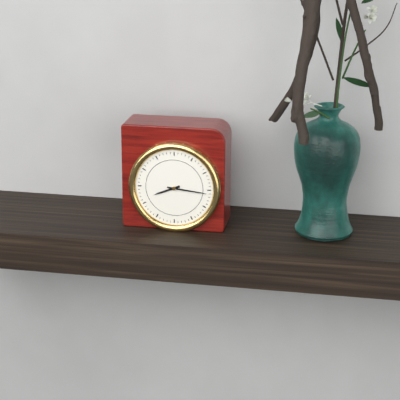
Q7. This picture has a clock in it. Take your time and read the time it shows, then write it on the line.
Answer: 8:16
